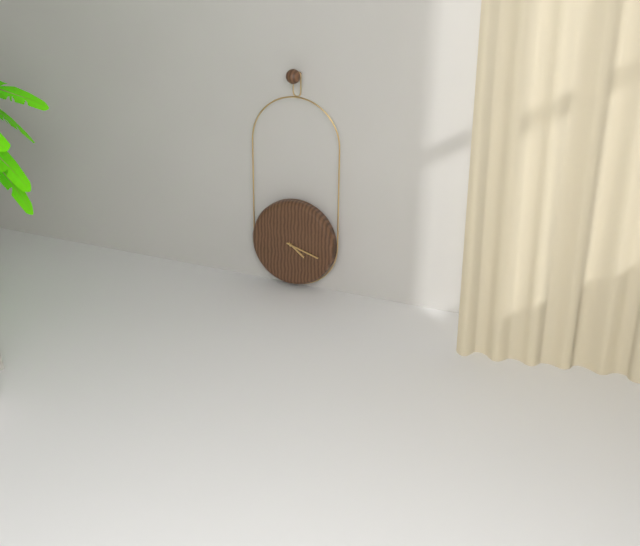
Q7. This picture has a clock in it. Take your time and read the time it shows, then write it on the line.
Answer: 4:18
